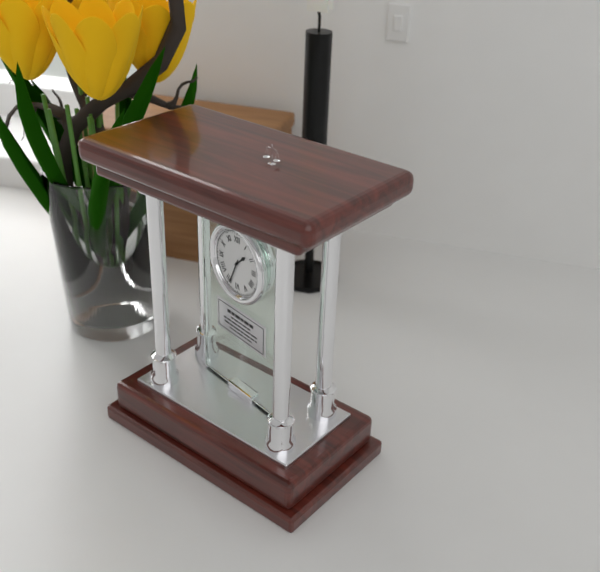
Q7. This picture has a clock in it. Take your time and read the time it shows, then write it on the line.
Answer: 1:34
